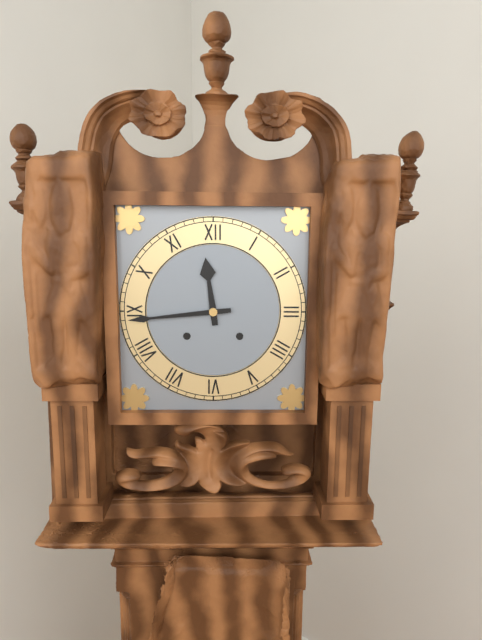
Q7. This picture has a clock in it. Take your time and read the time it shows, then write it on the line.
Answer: 11:44
